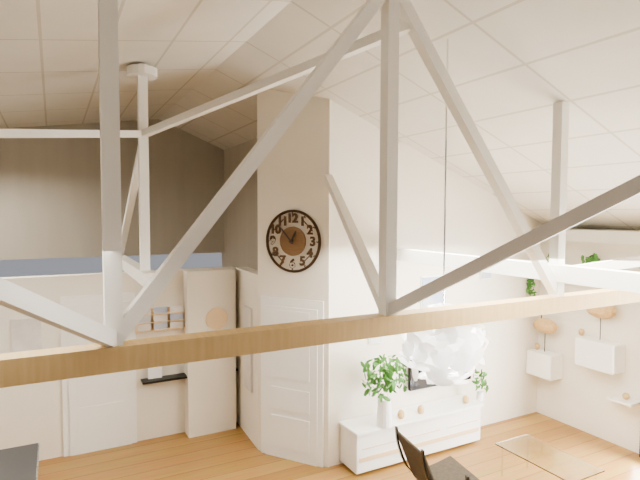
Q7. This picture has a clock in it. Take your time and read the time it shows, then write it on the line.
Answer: 12:53
